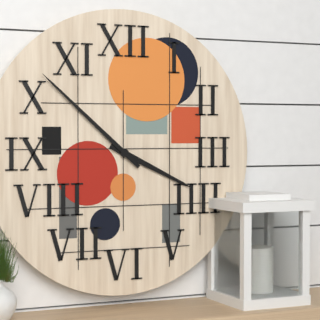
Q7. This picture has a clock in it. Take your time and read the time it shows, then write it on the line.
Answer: 3:52
